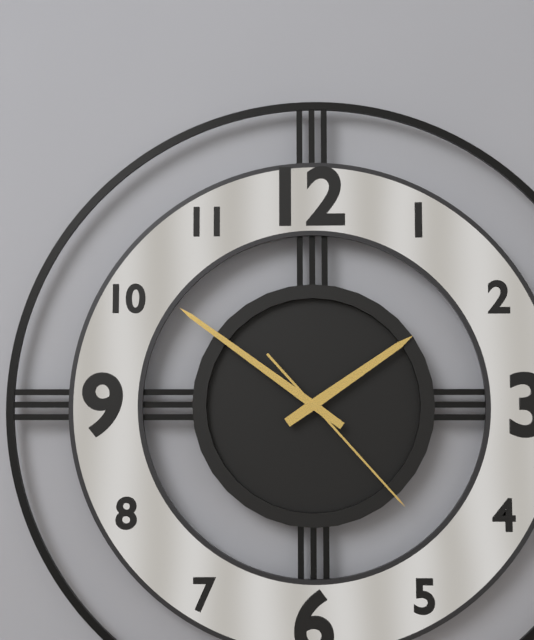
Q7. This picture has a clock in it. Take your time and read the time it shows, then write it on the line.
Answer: 1:51:23
